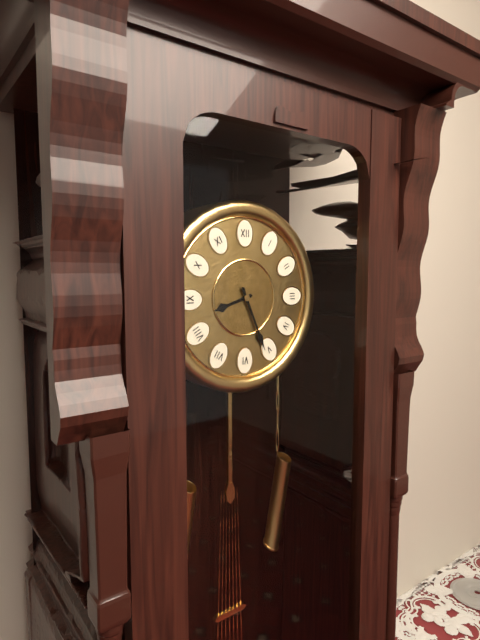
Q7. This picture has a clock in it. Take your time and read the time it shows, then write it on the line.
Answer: 8:26
